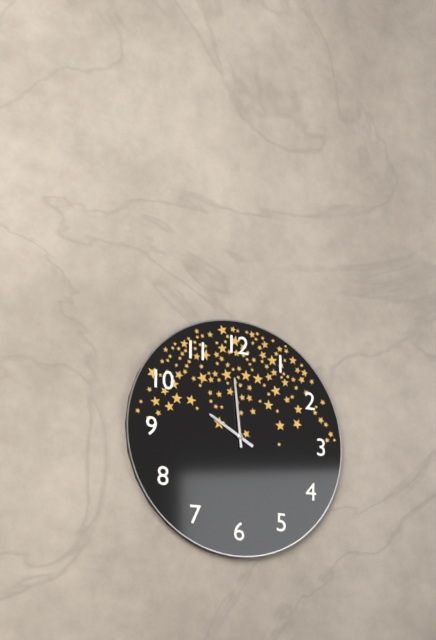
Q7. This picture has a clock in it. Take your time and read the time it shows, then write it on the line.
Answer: 9:59
